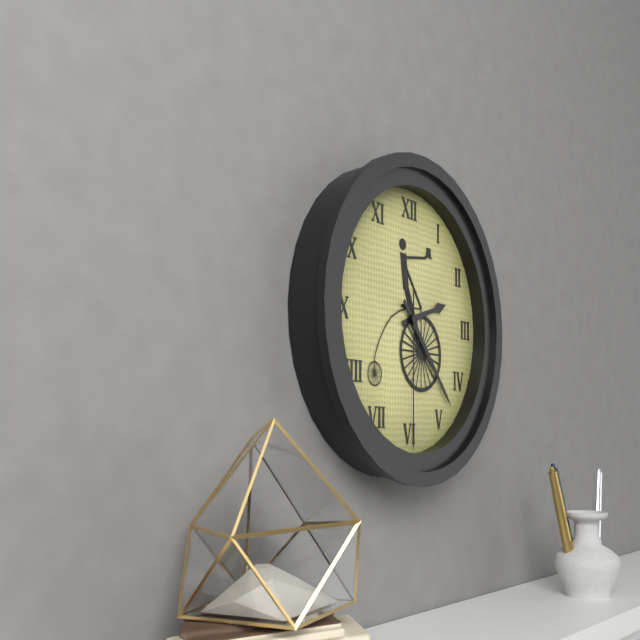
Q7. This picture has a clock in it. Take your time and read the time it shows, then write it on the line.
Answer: 2:23:30
